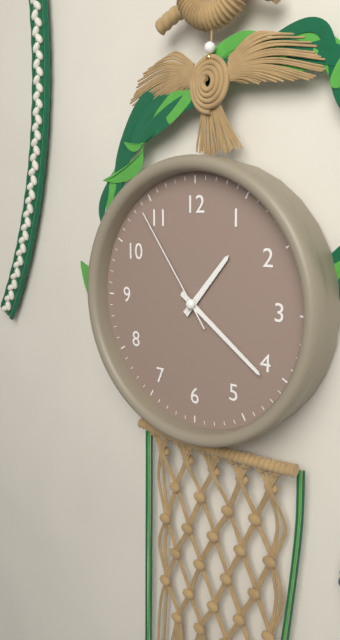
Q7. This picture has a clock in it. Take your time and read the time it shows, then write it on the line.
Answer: 1:21:54
